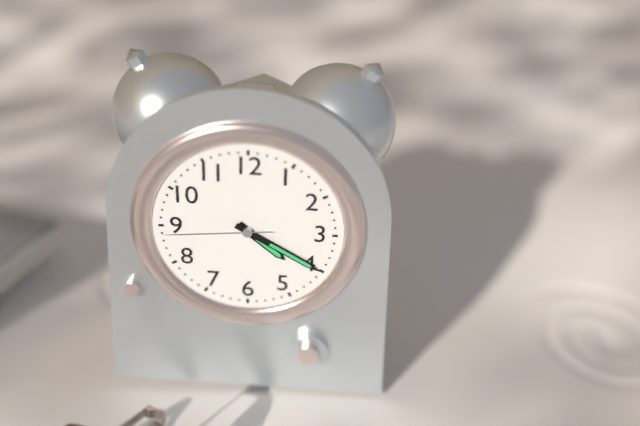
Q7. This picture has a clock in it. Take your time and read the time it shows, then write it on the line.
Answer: 4:20:44
